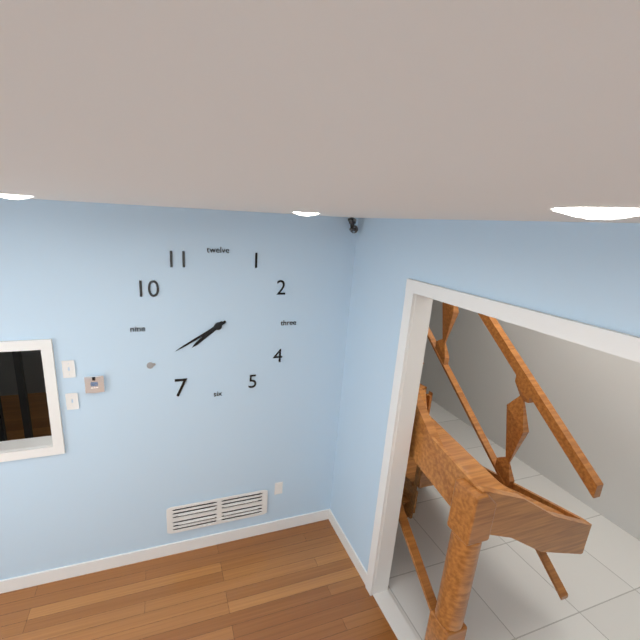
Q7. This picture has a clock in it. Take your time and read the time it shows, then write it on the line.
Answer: 7:40
